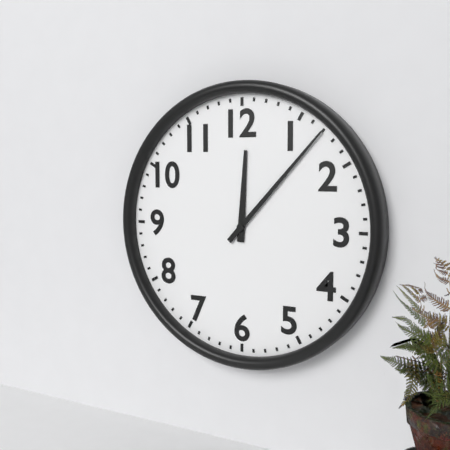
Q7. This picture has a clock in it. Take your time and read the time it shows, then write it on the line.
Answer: 12:07
